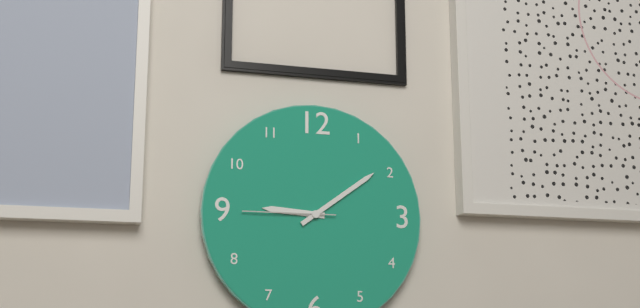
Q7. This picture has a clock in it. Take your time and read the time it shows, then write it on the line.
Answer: 9:09:45
